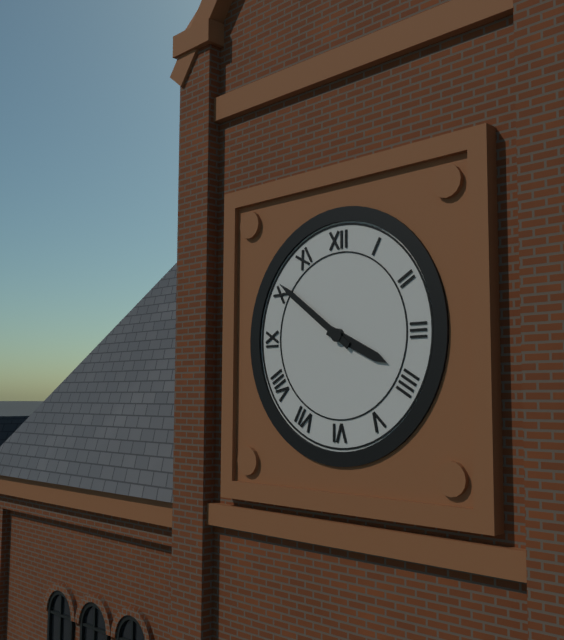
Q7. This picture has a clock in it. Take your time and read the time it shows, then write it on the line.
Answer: 3:51
